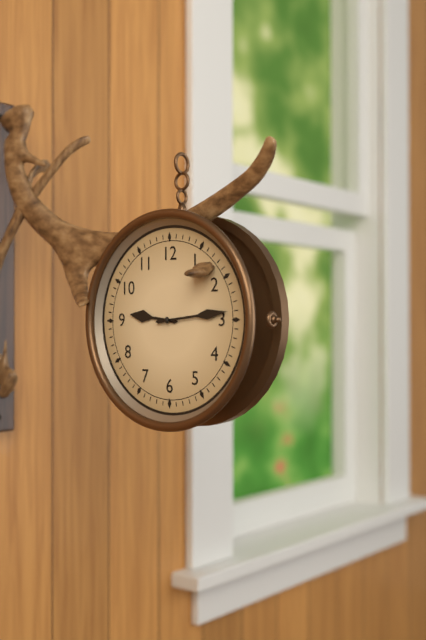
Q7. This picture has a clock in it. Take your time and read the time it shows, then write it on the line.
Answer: 9:14
